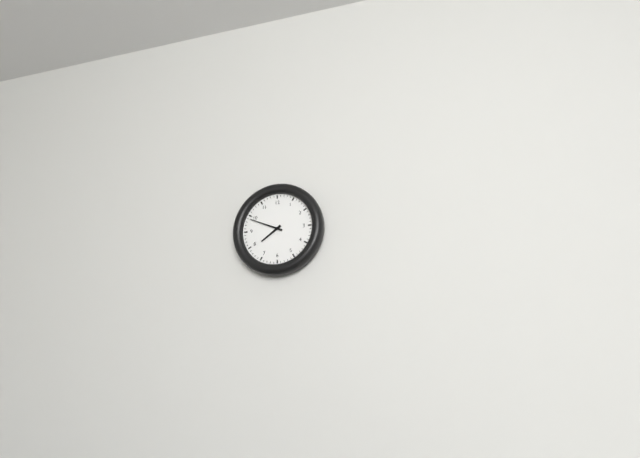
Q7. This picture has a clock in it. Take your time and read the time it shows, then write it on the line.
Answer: 7:49
